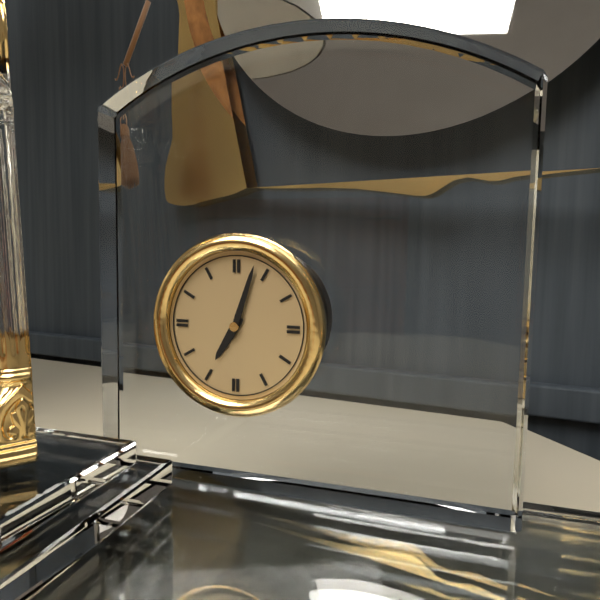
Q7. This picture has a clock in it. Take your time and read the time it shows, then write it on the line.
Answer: 7:03
